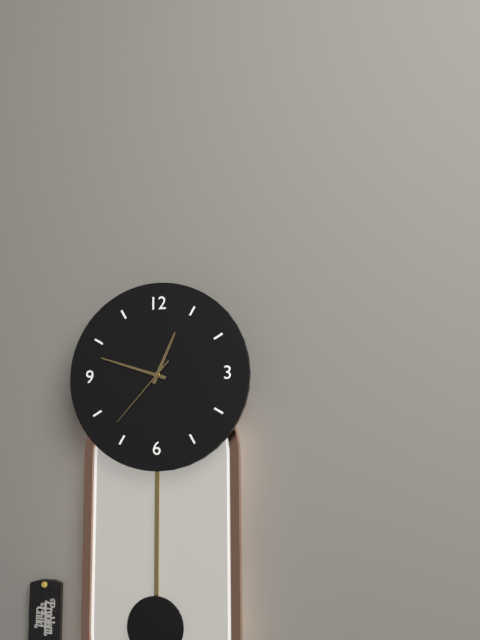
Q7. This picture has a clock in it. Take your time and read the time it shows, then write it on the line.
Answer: 12:48:37
